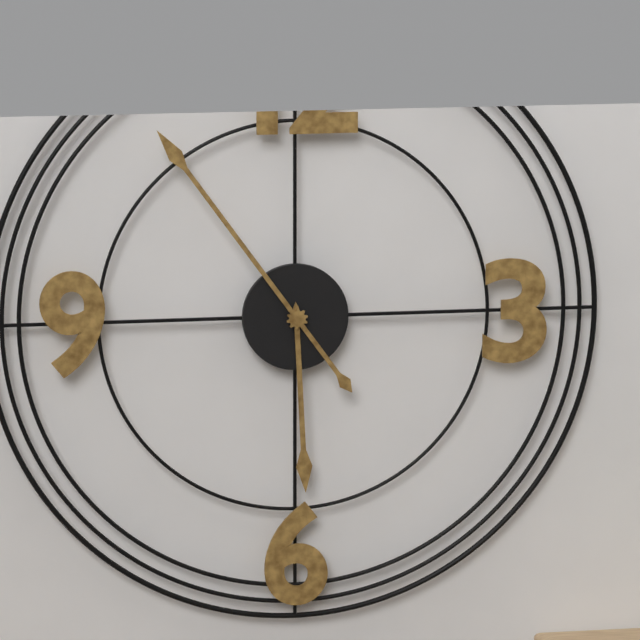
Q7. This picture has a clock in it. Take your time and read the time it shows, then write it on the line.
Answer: 5:54
